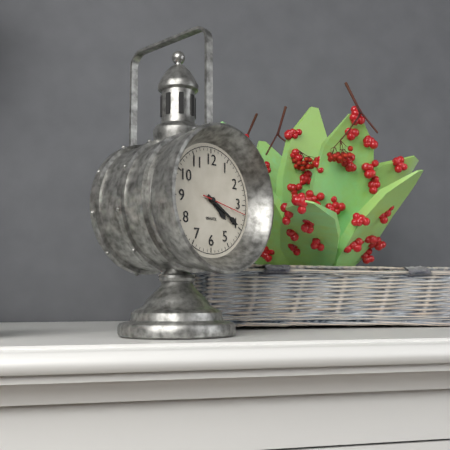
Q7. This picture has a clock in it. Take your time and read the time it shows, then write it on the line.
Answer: 4:20
